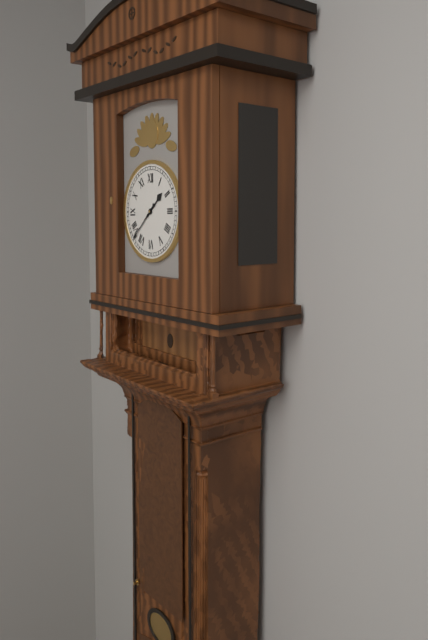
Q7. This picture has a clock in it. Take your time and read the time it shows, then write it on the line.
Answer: 1:38
